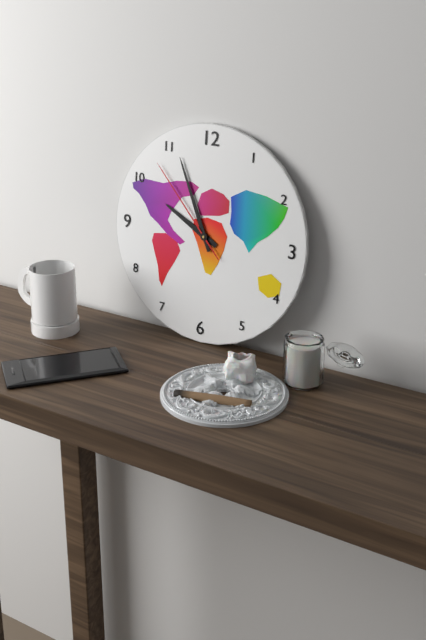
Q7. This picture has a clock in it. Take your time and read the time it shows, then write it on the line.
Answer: 9:56:53
